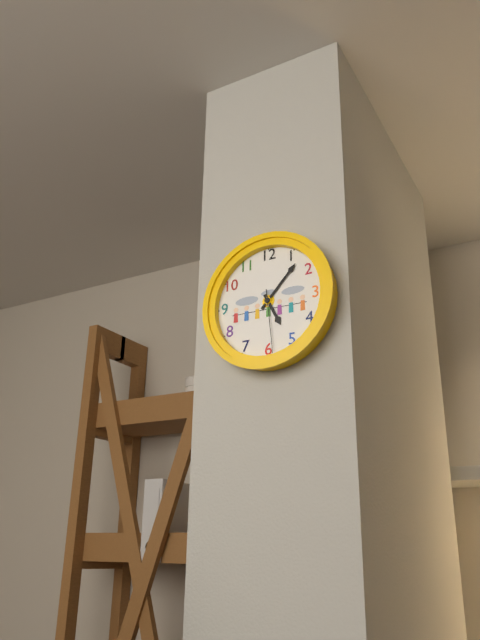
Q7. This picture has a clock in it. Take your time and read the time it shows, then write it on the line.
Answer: 5:07:29
